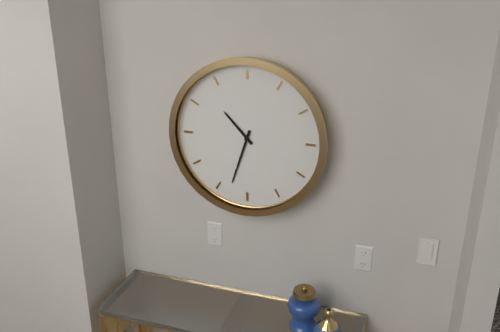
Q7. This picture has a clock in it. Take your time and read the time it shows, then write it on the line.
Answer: 10:33
